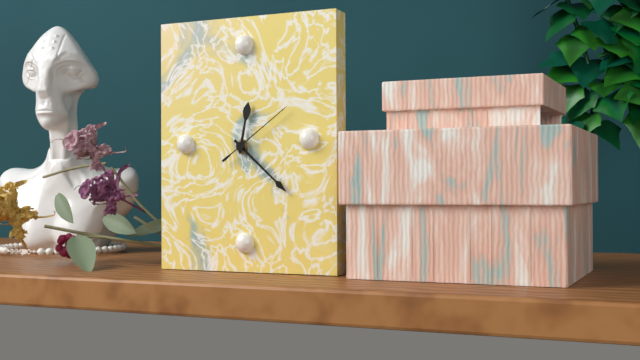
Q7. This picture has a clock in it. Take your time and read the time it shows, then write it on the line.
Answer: 12:22:09
